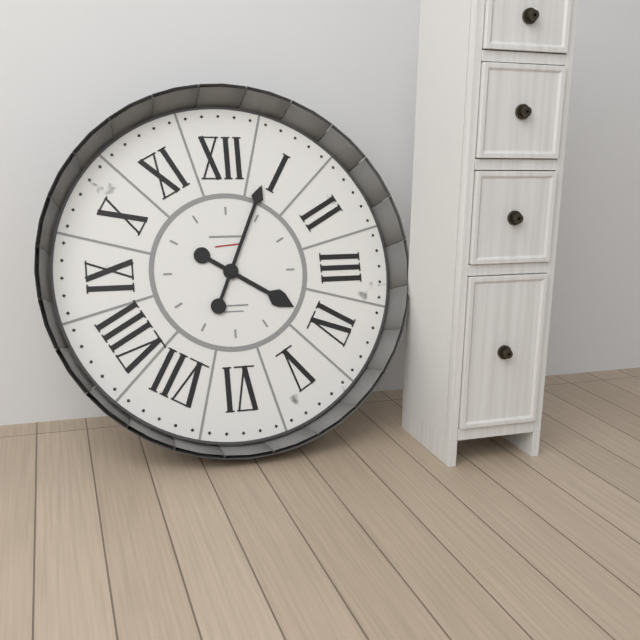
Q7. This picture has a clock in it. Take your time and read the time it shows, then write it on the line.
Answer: 4:04
